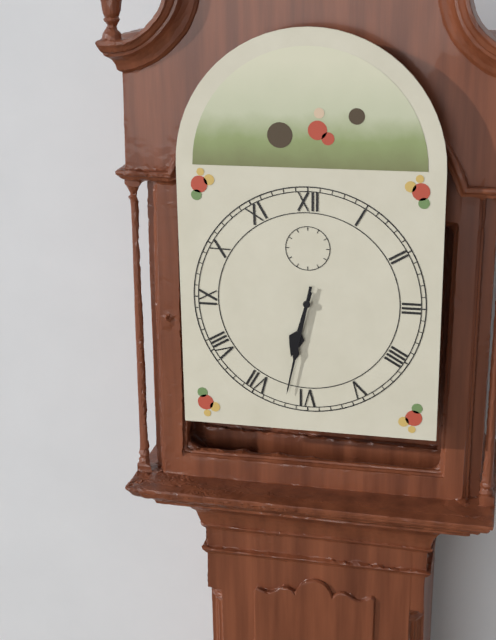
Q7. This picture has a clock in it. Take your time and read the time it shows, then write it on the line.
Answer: 6:32
